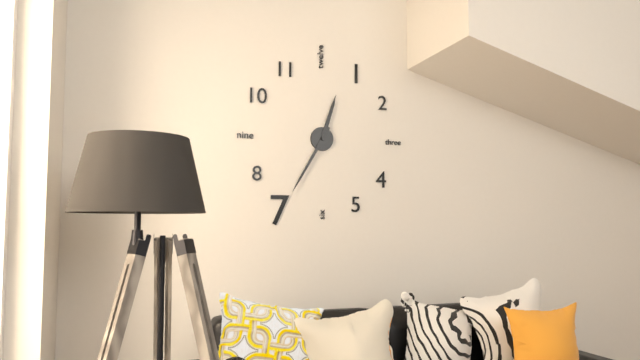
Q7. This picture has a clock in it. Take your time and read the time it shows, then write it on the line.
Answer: 12:35
